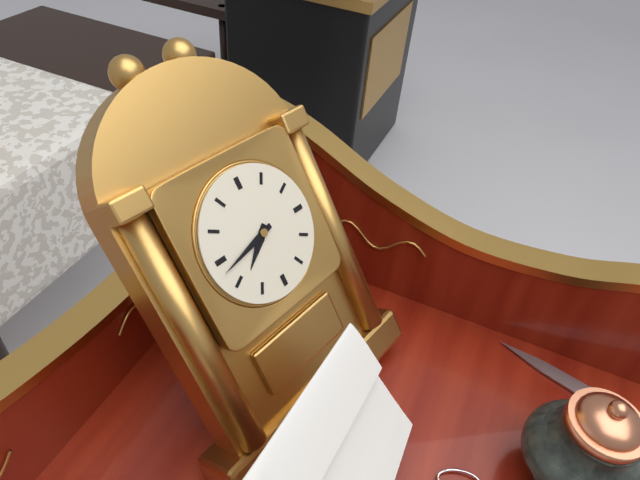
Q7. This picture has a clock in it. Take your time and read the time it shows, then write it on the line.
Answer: 7:43
